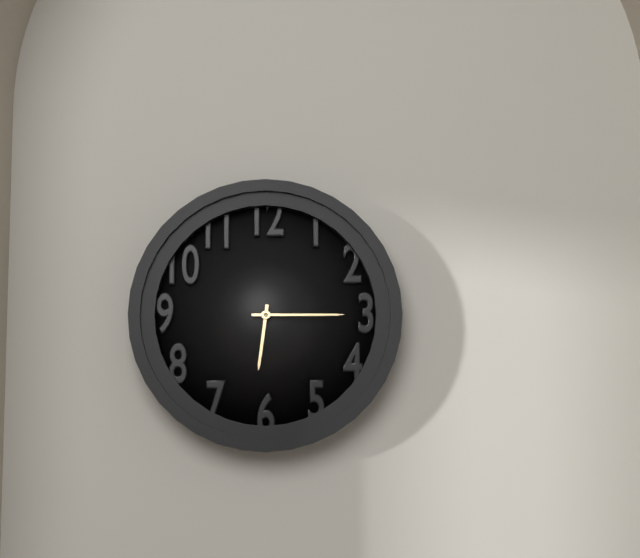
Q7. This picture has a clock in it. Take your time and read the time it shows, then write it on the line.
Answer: 6:15
